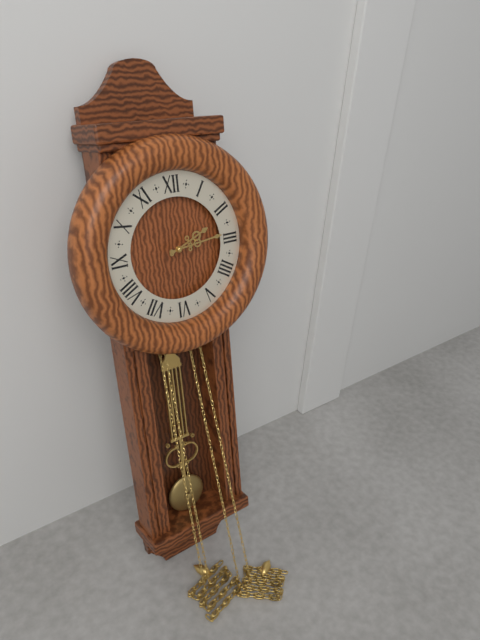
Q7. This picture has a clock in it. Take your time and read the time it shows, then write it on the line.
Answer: 2:14
